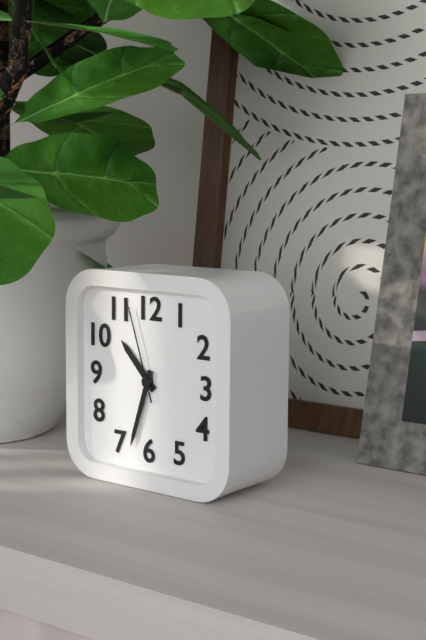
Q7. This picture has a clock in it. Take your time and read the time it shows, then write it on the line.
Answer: 10:33:57
